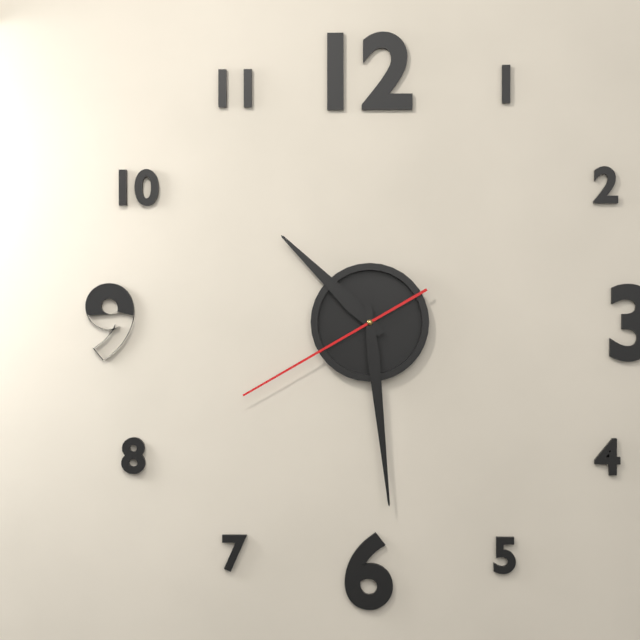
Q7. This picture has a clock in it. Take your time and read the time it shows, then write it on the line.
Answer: 10:29:40
